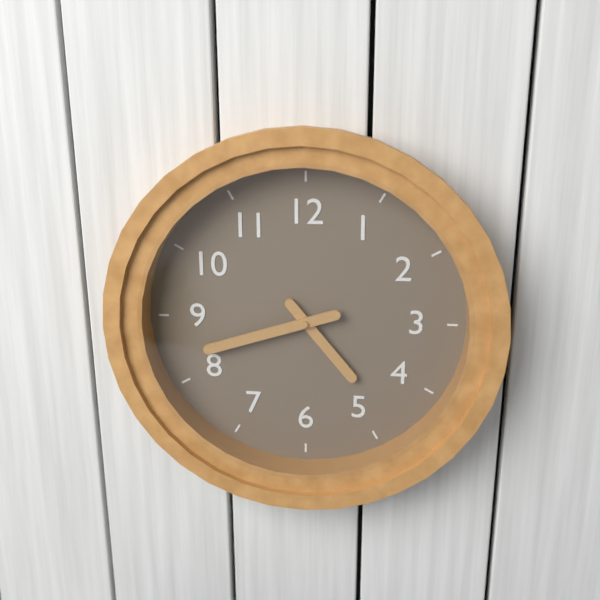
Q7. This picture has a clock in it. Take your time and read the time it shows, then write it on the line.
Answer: 4:42
